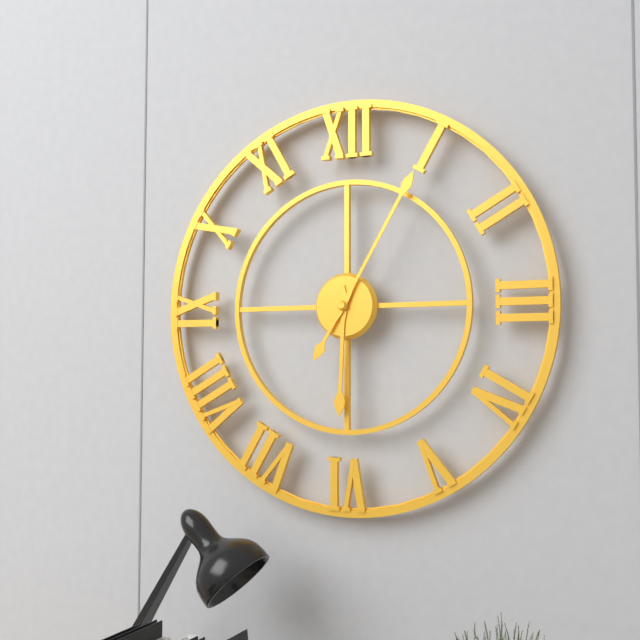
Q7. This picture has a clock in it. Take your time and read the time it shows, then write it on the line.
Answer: 6:05
